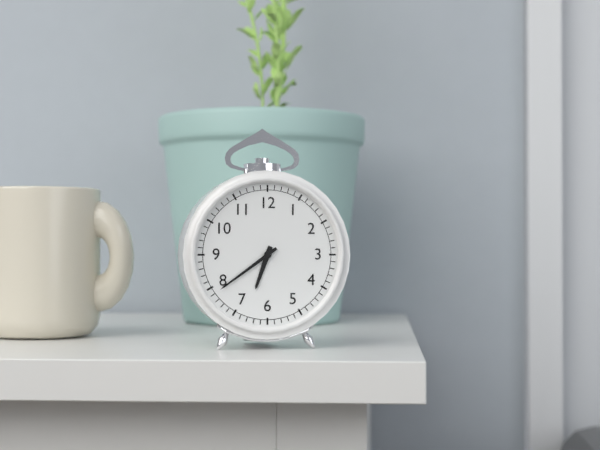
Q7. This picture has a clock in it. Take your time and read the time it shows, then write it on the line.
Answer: 6:39
